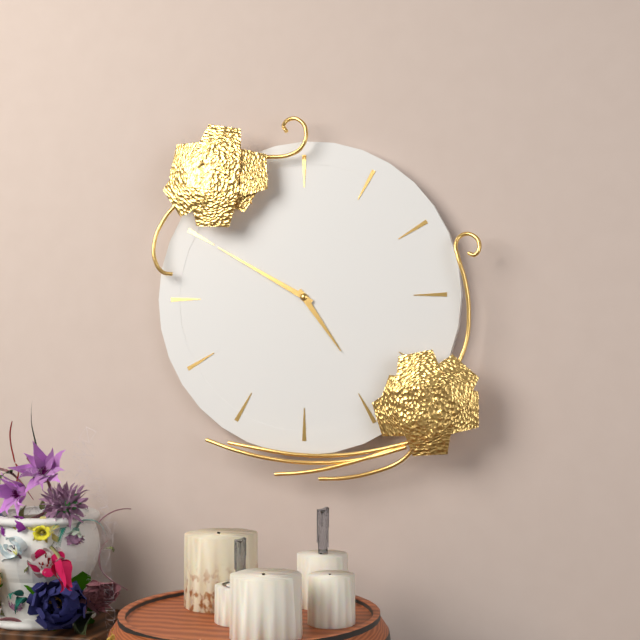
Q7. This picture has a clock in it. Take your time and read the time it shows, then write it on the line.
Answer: 4:50
